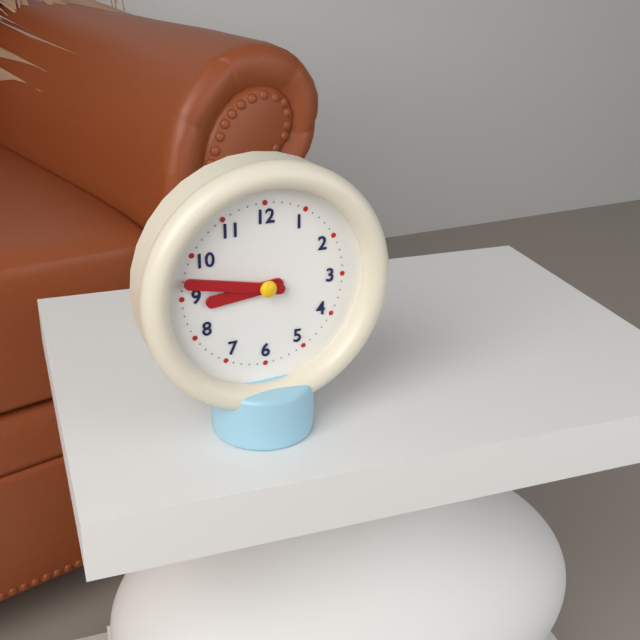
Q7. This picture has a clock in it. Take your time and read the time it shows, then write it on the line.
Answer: 8:47
